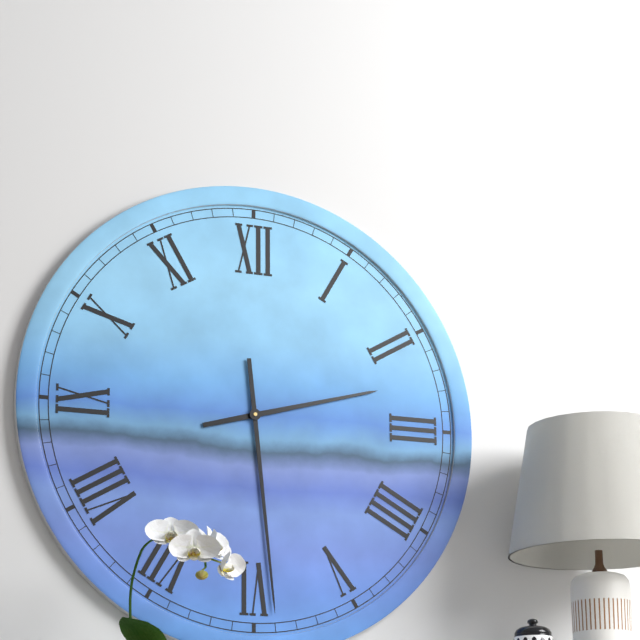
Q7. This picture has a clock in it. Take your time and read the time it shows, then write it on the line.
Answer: 2:29
